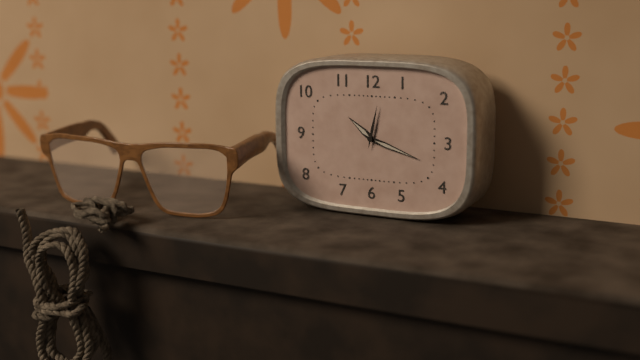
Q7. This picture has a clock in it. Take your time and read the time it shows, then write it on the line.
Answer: 10:18
